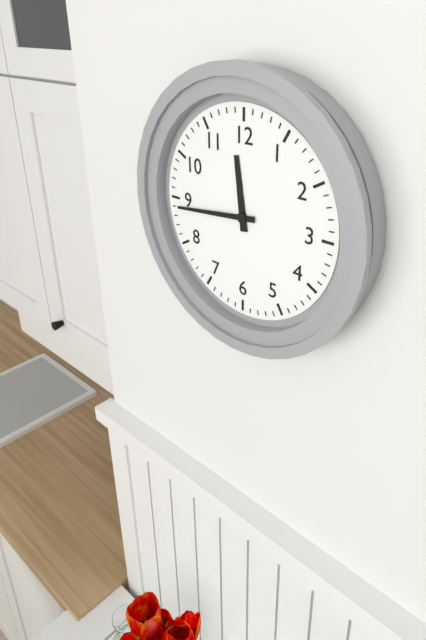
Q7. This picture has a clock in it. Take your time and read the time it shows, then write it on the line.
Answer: 11:44
